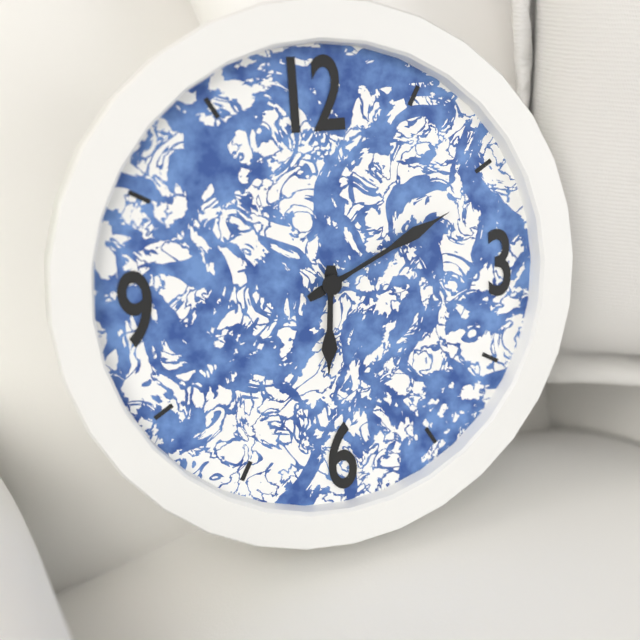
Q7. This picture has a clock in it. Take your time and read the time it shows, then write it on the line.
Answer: 6:11
